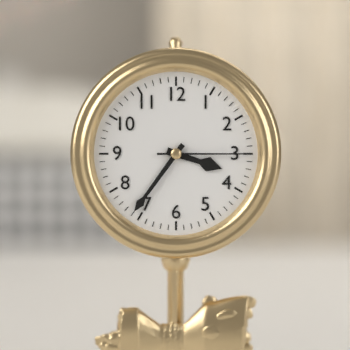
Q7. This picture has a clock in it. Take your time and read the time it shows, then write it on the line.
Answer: 3:36:15
